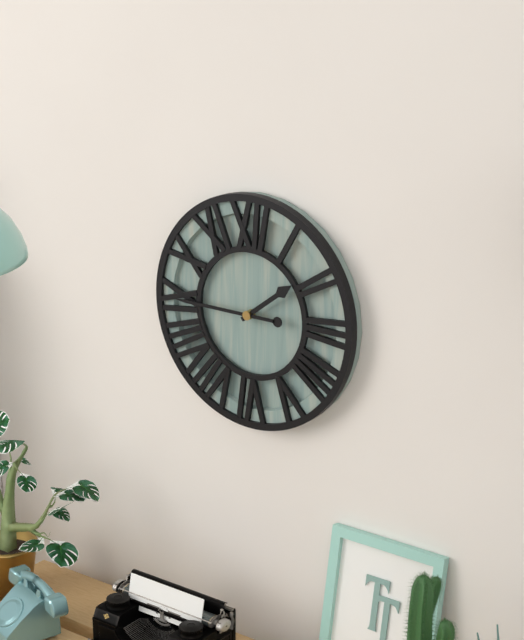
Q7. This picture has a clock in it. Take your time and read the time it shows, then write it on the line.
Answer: 1:45
